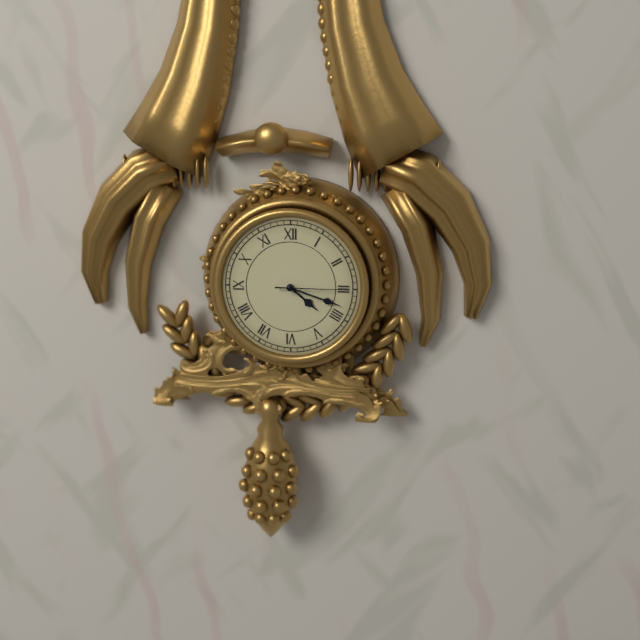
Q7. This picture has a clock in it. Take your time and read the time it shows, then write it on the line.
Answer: 4:18:15
